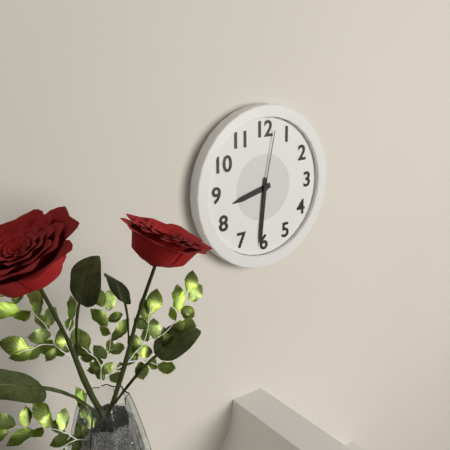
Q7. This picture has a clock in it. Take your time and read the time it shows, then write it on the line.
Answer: 8:31:02
